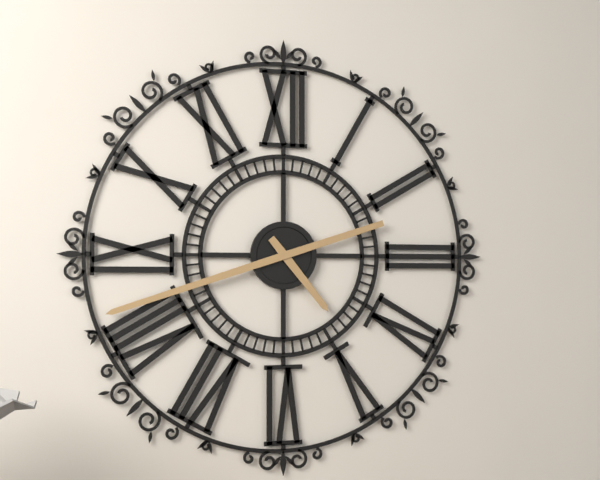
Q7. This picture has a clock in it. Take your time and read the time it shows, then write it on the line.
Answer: 4:42
